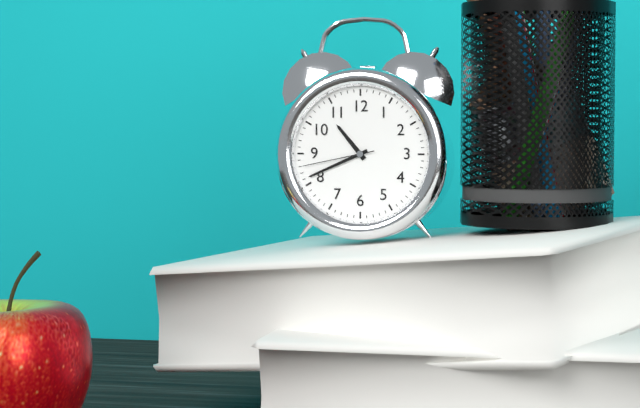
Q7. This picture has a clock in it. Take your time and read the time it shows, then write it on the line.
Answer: 10:41:43
